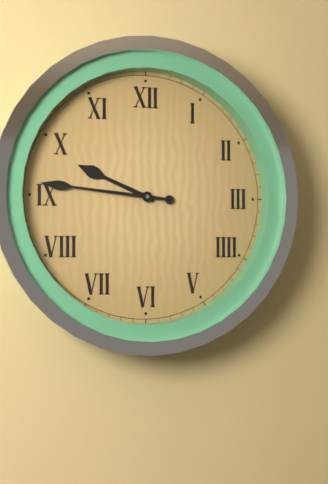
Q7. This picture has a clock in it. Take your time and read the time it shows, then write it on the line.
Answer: 9:46
